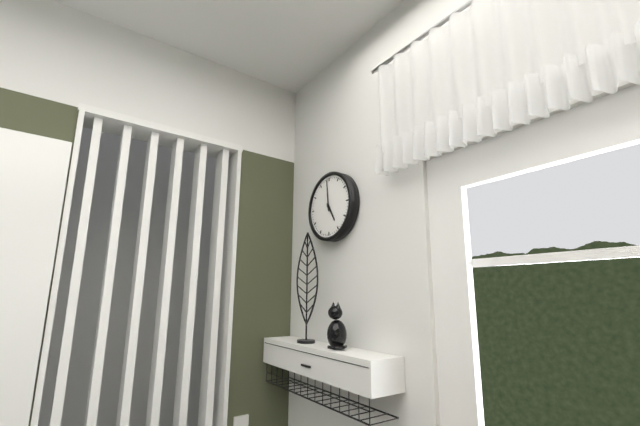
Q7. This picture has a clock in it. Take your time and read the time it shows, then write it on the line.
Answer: 4:59
